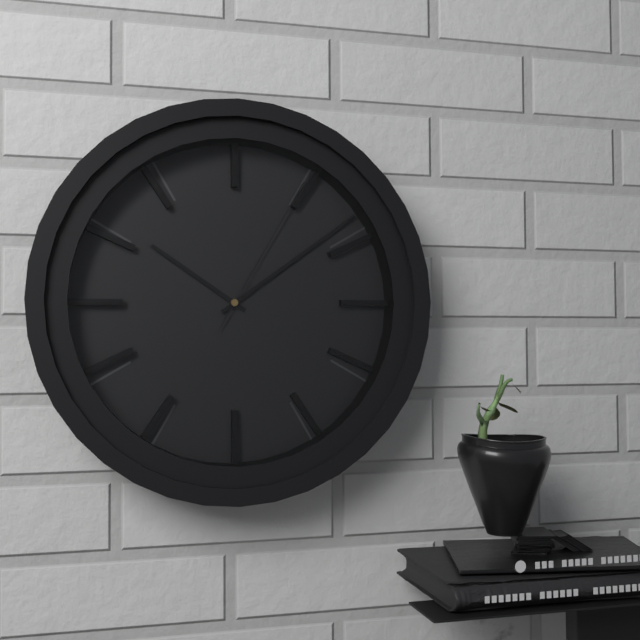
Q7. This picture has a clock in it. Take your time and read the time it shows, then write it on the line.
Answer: 10:09:05
